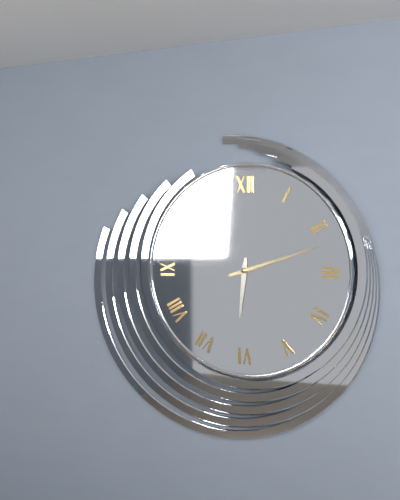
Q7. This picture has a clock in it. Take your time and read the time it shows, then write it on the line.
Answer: 6:12
